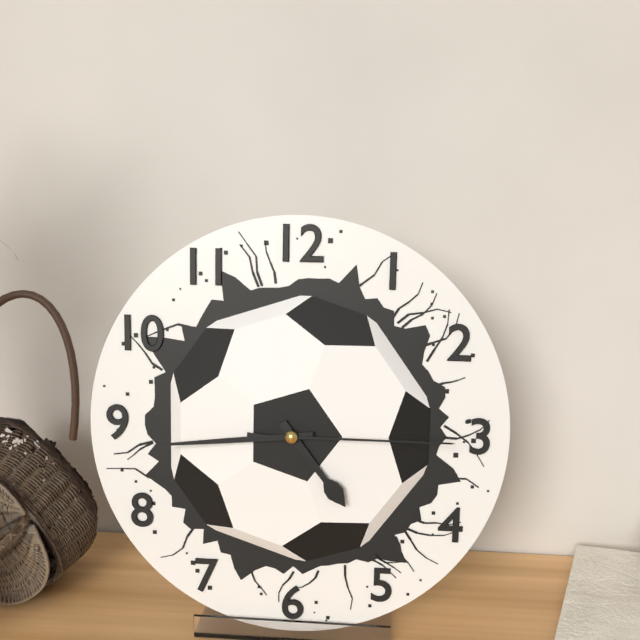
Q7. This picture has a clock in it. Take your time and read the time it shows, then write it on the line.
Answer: 4:44:15
